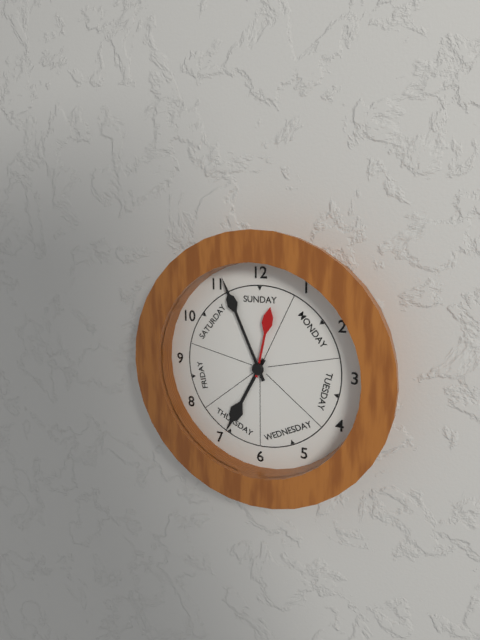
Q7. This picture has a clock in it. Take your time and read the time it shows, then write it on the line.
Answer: 6:56:02
